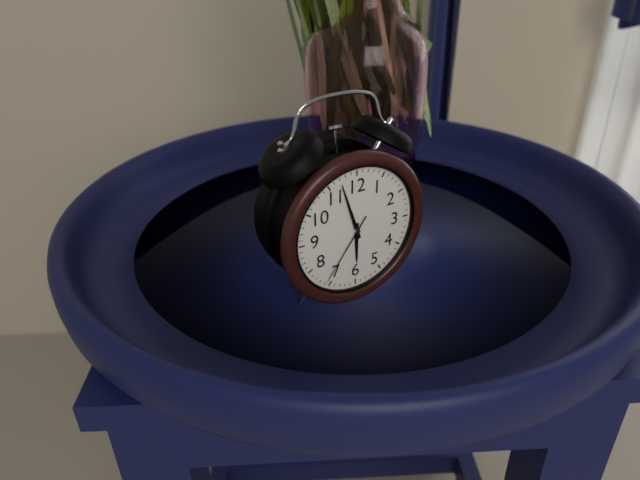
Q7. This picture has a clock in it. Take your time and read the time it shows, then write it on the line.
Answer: 5:57:36
